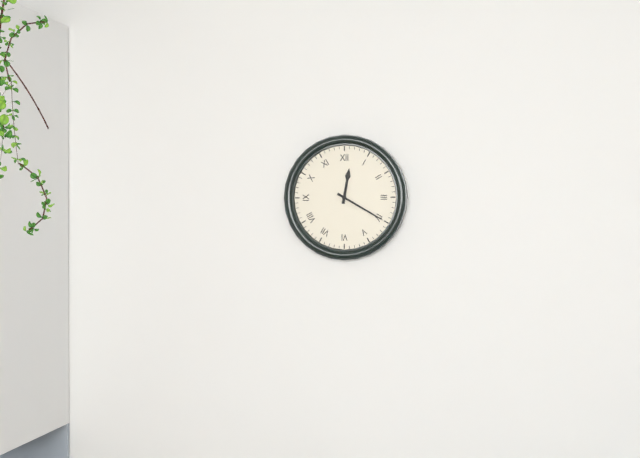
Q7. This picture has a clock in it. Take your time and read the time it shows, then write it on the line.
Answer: 12:20
